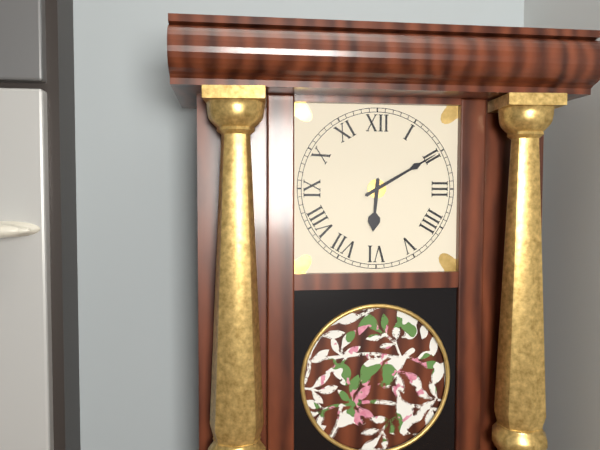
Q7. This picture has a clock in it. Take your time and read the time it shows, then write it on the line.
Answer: 6:10
